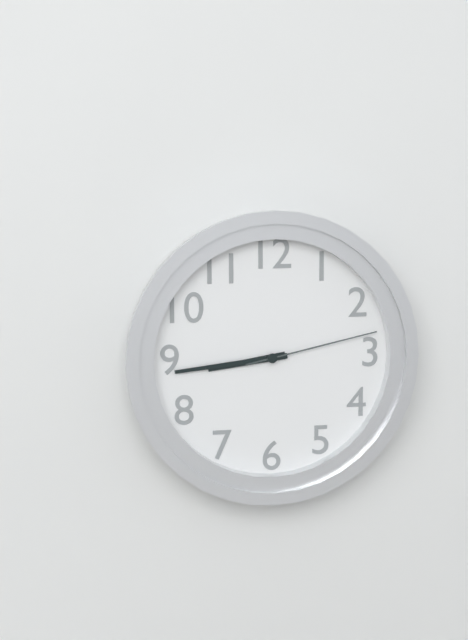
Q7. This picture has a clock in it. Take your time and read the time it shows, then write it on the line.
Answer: 8:44:13
